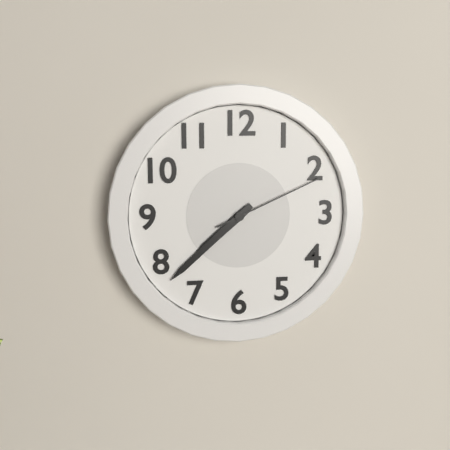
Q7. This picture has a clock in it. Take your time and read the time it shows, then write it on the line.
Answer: 7:38:11
